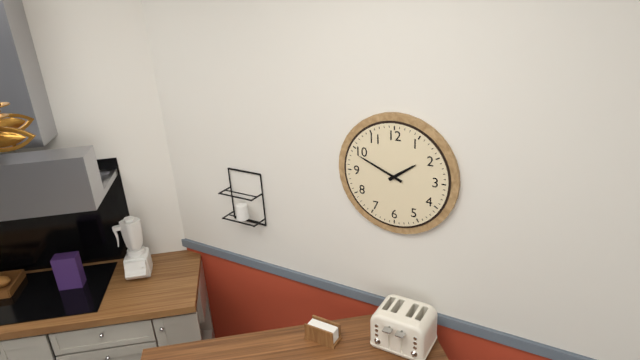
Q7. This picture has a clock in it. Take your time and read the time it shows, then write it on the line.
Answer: 1:49
